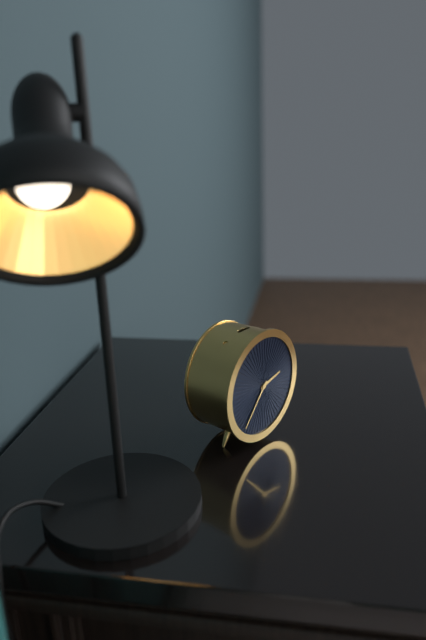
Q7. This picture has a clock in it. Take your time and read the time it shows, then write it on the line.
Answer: 2:37
